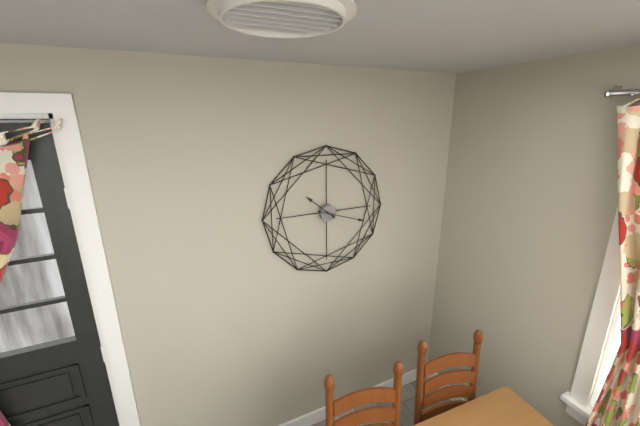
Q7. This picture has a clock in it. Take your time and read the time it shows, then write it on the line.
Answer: 10:18
